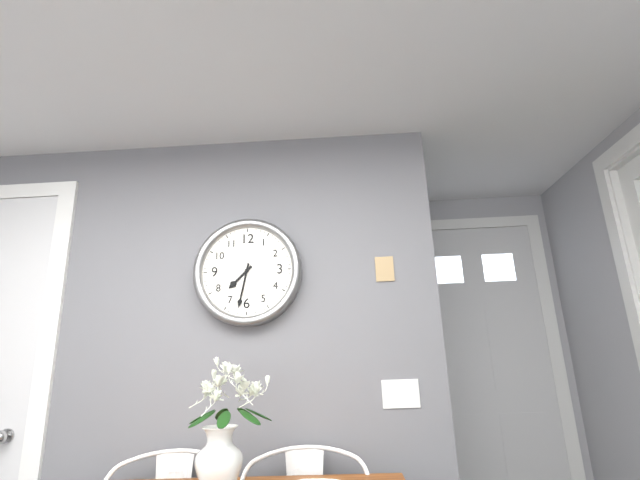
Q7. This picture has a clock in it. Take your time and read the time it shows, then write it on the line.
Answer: 7:32
